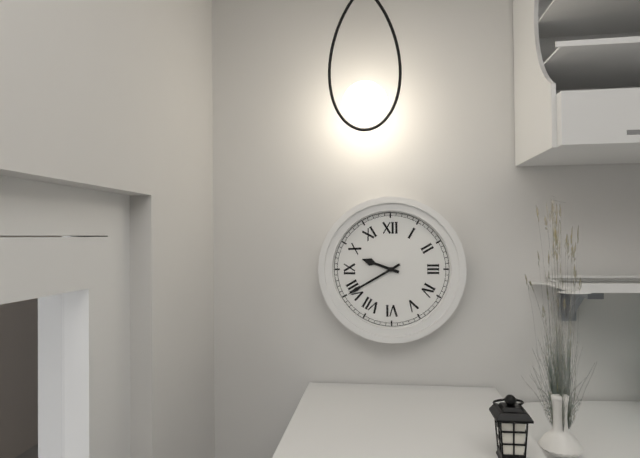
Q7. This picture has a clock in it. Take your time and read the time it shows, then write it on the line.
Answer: 9:40
